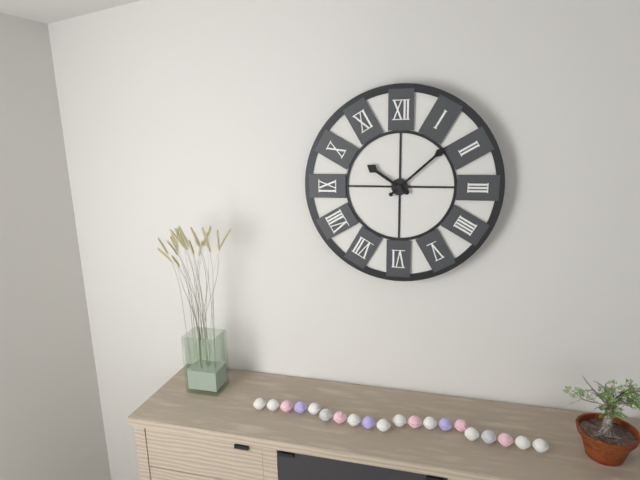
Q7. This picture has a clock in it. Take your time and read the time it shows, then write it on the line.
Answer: 10:08
